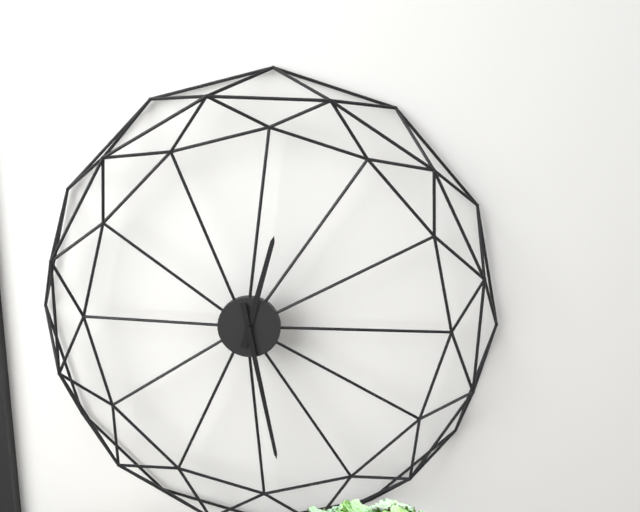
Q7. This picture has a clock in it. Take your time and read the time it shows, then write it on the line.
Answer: 12:28
